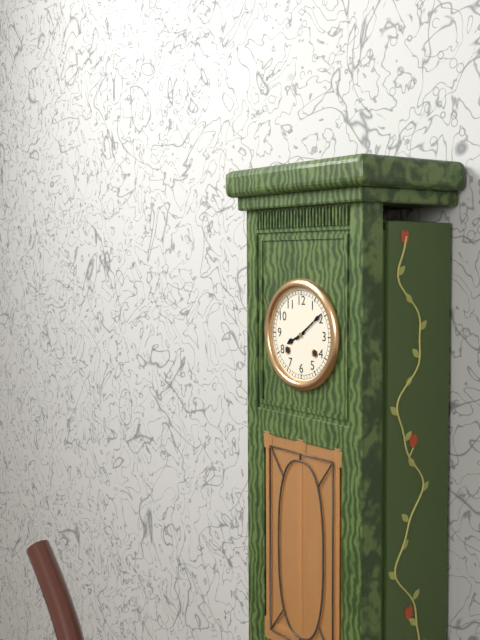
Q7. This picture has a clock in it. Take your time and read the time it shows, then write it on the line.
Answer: 8:09
